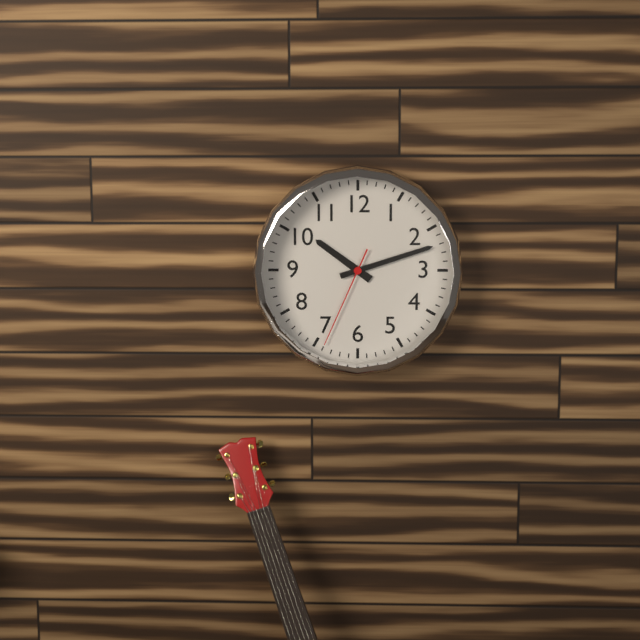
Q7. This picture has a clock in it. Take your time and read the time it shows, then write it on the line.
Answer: 10:12:34
